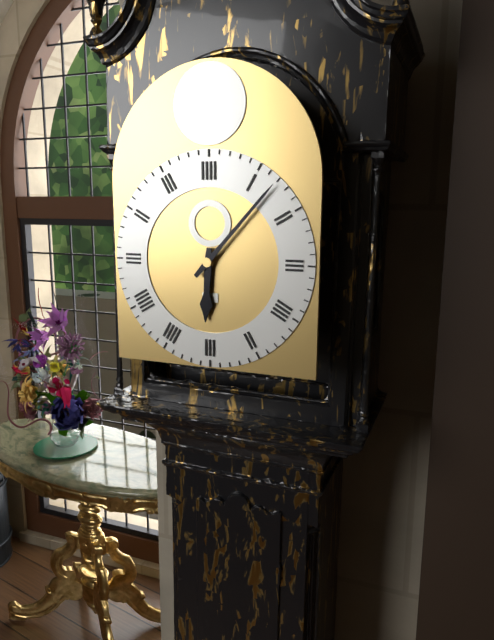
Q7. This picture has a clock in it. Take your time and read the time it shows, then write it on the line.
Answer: 6:07
